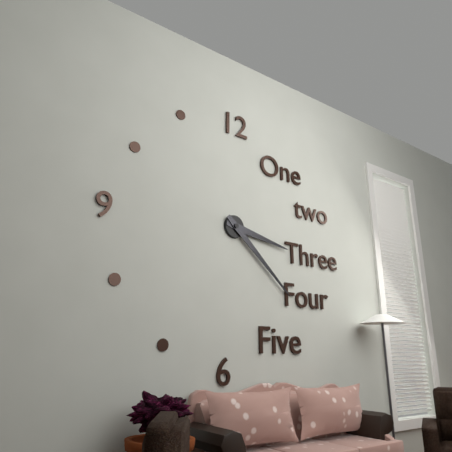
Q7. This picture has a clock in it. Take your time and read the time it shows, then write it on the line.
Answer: 3:22
